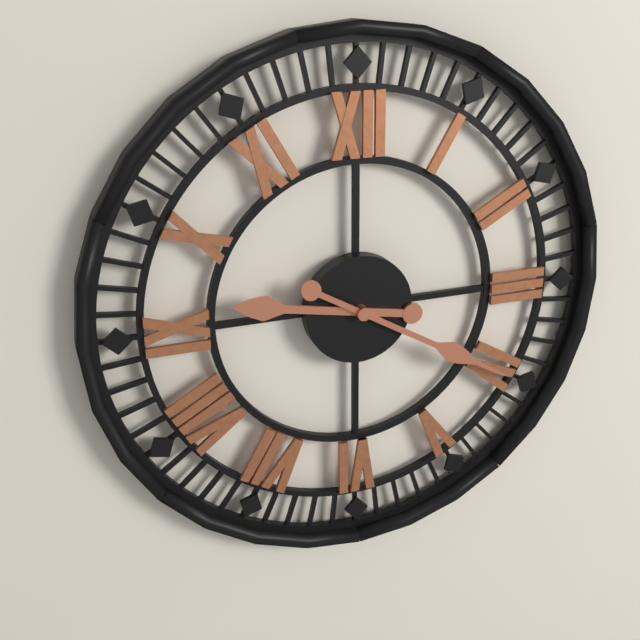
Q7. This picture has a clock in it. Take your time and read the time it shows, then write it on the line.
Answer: 9:20
